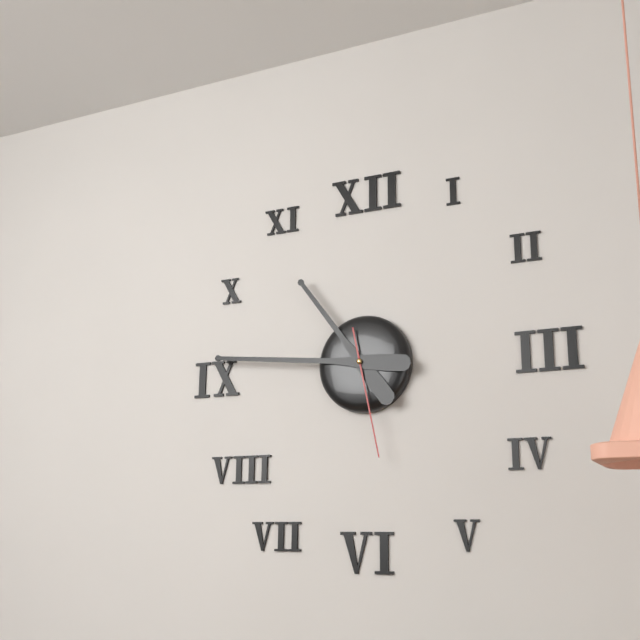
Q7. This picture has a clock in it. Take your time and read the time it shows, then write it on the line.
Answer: 10:46:28
